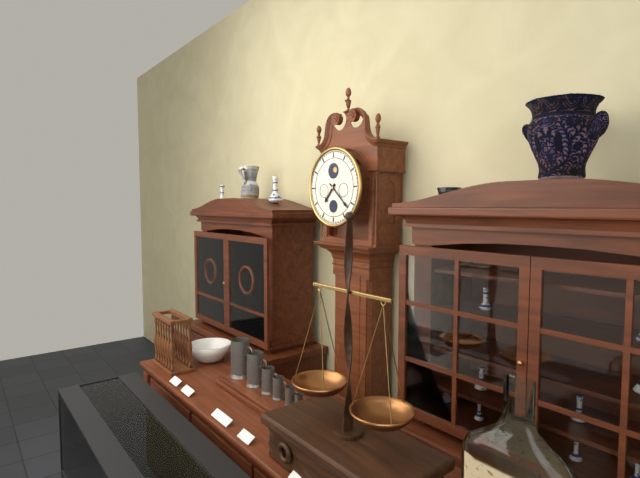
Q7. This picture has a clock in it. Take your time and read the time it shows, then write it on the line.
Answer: 7:22
